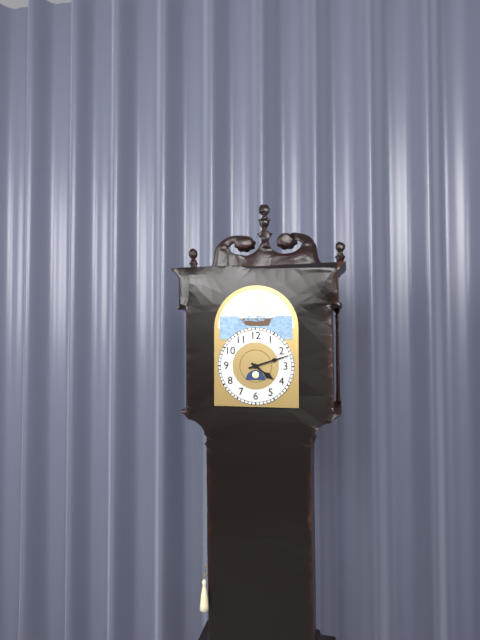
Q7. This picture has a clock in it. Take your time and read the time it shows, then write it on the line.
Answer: 4:12
